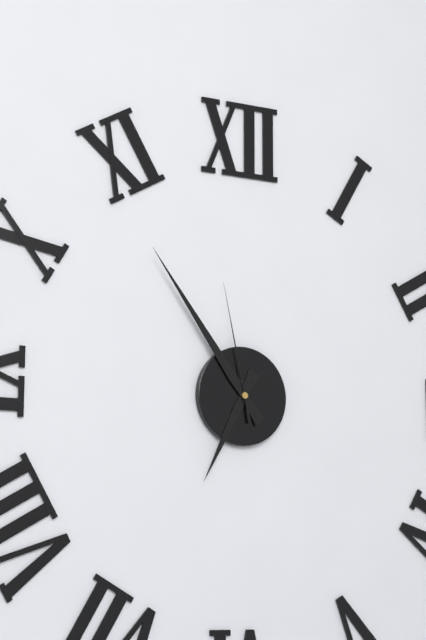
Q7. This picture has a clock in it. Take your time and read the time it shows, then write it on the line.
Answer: 6:54:58
